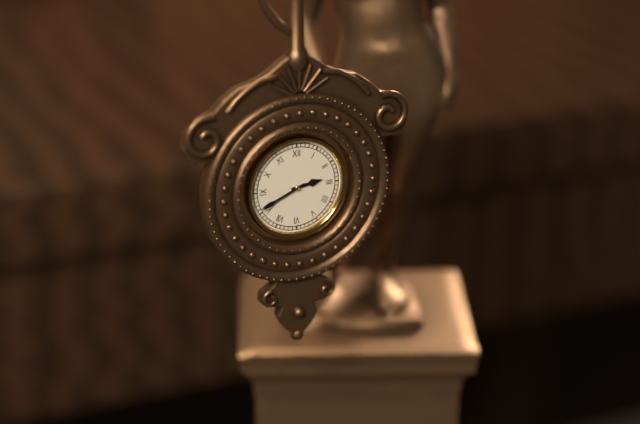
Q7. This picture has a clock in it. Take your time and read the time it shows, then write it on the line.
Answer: 2:41
